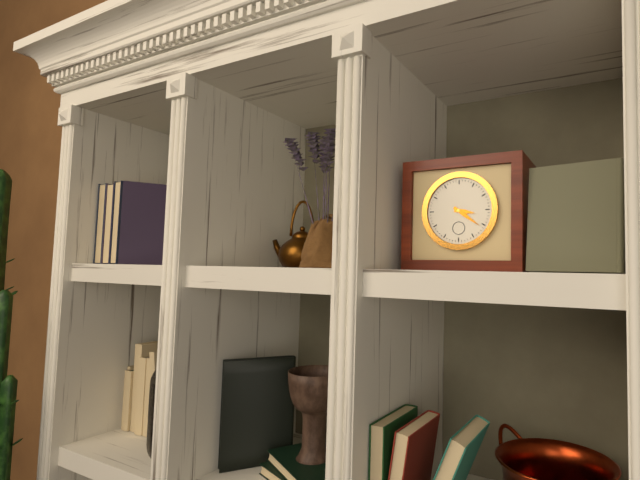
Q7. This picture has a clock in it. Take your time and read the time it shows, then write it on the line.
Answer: 3:21
